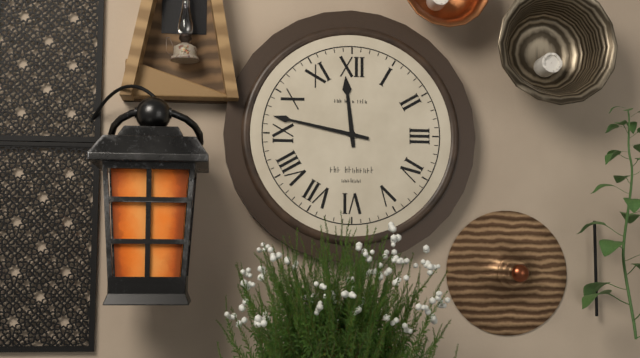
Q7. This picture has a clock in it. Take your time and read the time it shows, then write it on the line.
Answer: 11:47
